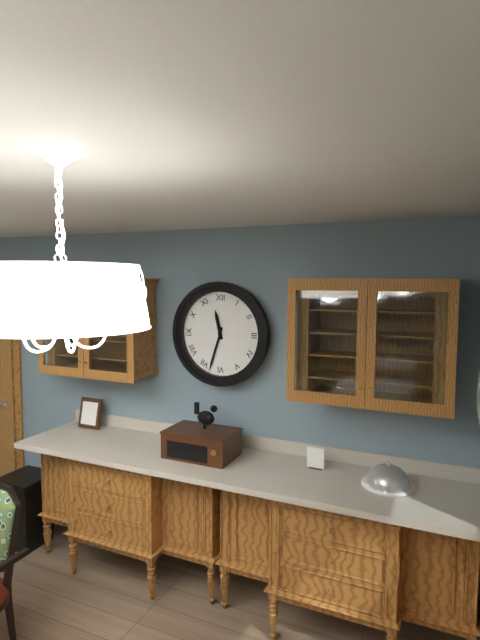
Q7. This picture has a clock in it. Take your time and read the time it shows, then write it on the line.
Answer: 11:33
